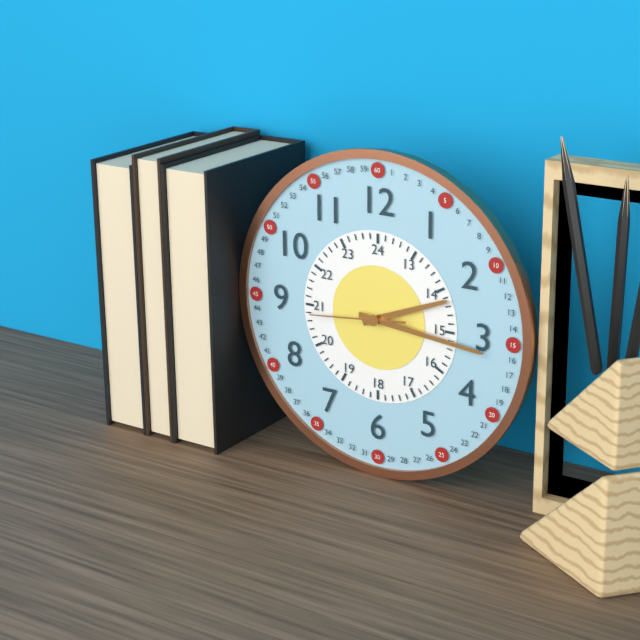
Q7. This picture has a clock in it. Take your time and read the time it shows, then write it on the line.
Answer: 2:16:44
